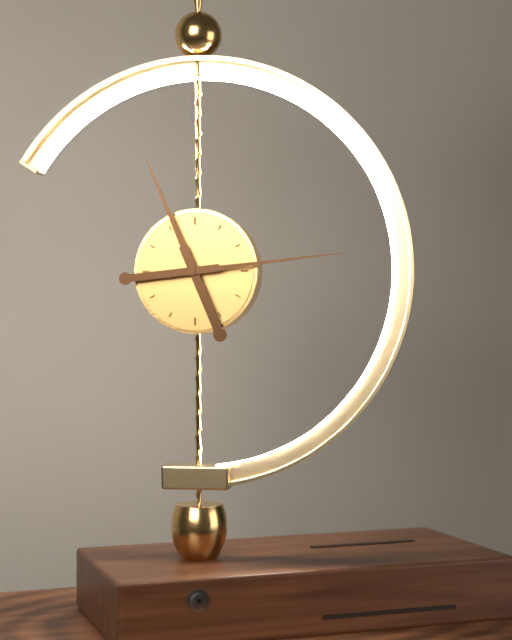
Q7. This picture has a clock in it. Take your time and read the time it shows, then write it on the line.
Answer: 11:14
